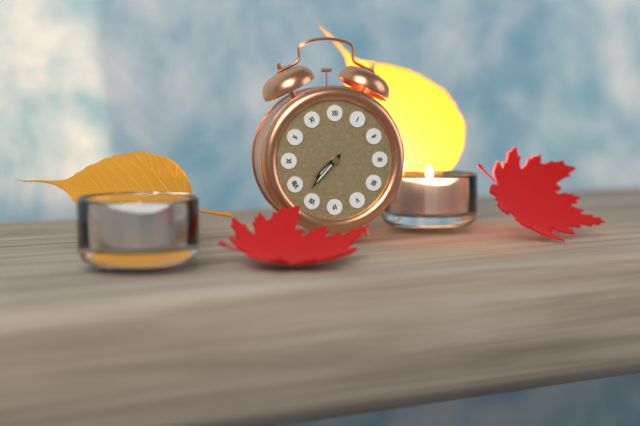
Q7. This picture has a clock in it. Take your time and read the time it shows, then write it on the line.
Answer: 7:37
